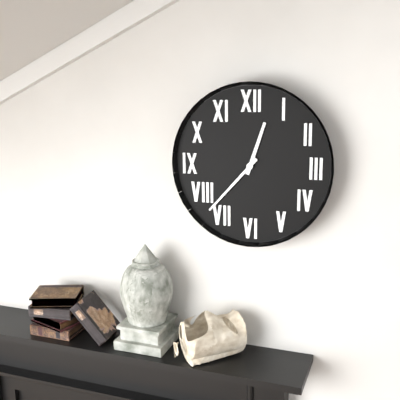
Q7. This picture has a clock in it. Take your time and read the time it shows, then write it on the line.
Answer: 12:37
